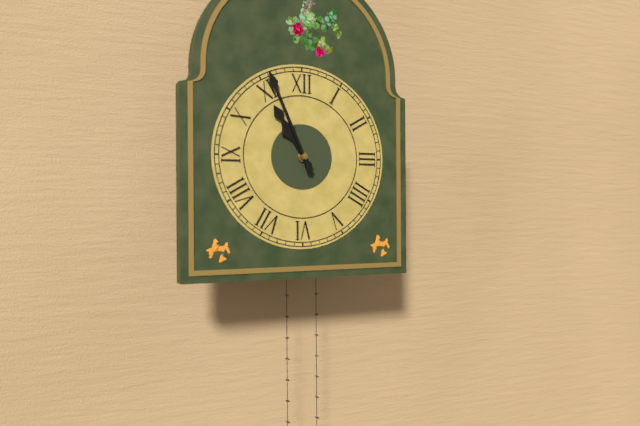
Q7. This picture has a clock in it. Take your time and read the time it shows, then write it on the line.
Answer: 10:56
